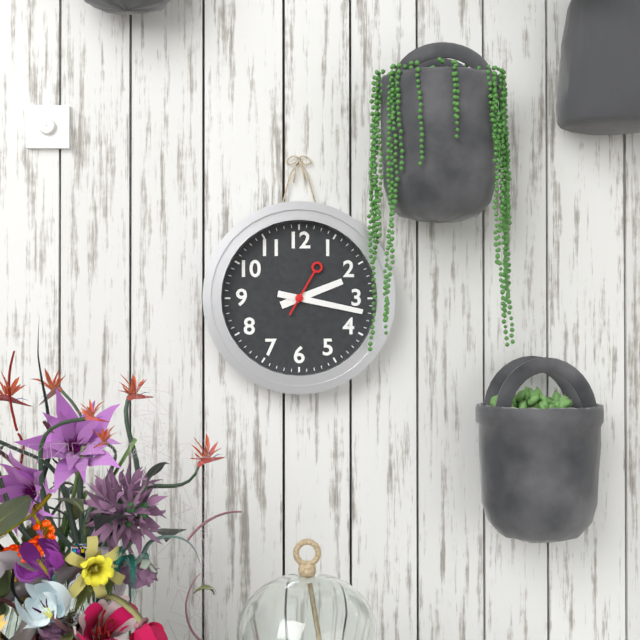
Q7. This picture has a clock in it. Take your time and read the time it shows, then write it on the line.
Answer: 2:17:05
